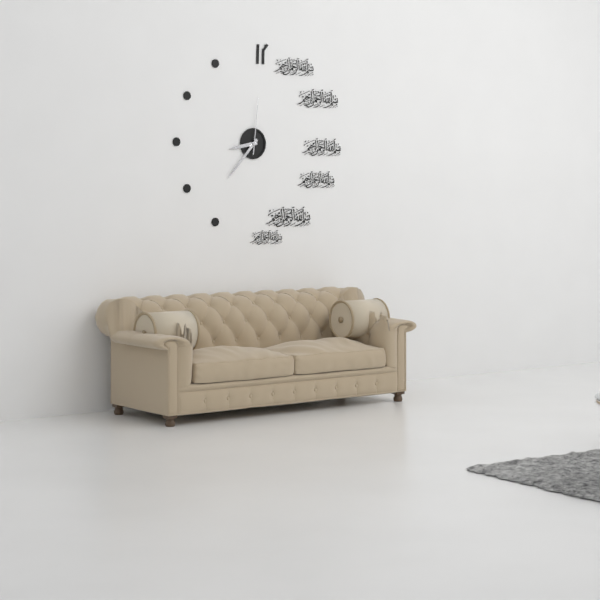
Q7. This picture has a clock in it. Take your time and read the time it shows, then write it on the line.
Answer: 8:37:01
